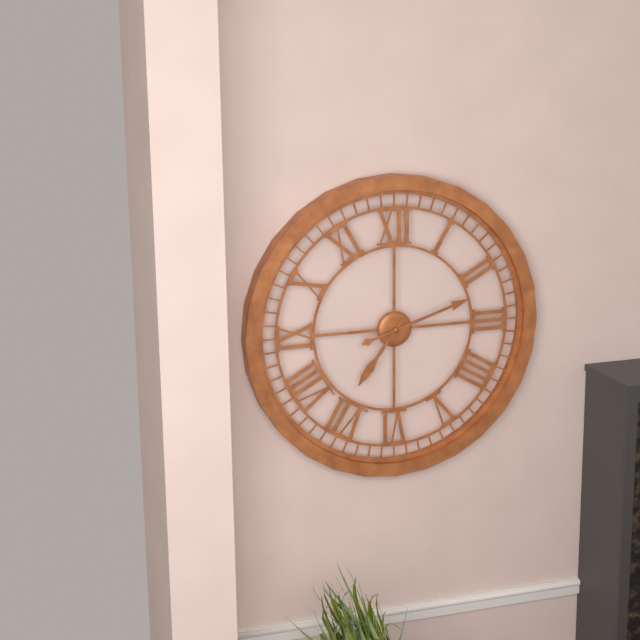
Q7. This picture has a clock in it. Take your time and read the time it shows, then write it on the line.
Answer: 7:12
